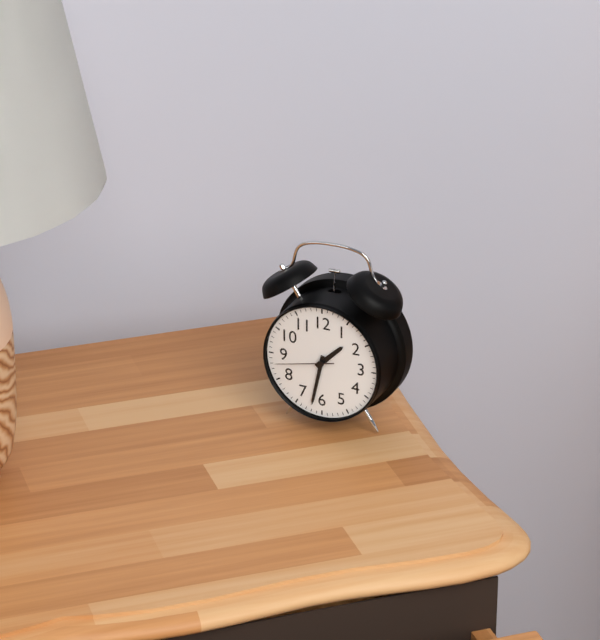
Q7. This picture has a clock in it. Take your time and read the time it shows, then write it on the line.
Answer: 1:32:43
